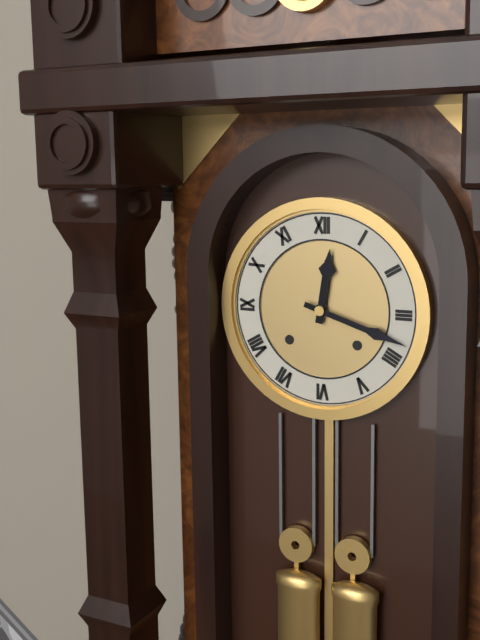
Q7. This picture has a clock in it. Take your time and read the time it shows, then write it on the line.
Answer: 12:18
